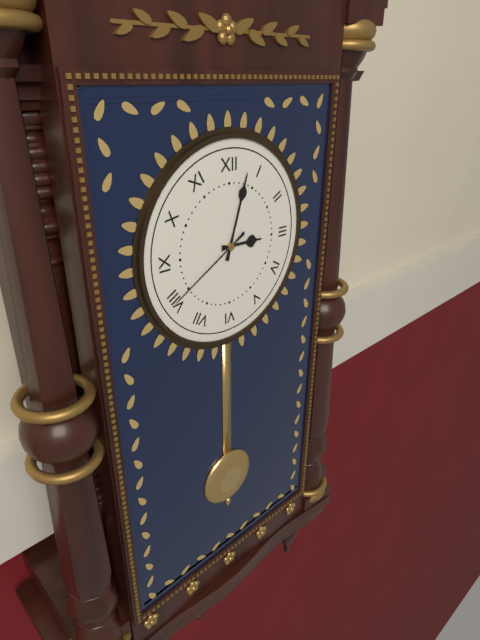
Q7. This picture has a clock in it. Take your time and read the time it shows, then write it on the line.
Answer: 3:03:40
